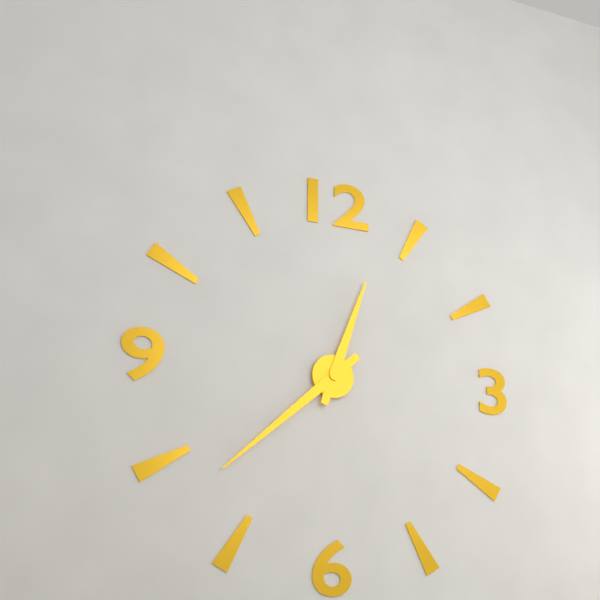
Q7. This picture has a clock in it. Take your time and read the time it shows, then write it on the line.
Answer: 12:38
